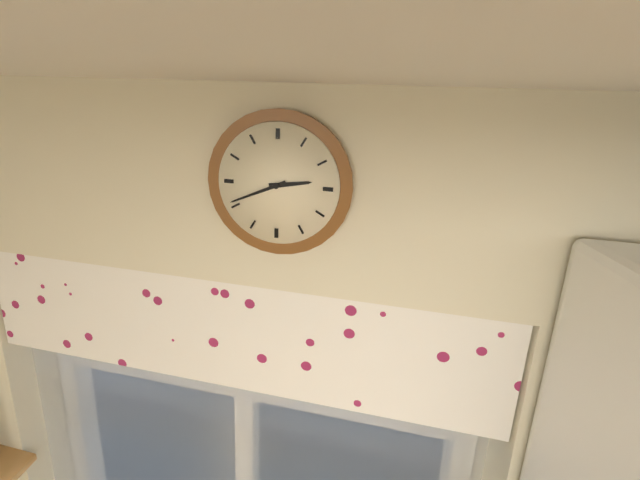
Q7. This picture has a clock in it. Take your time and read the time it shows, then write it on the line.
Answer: 2:41
